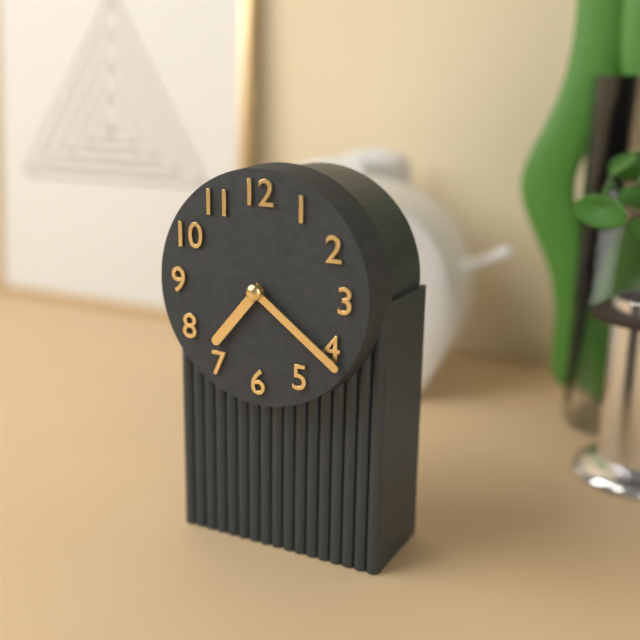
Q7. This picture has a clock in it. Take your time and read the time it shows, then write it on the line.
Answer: 7:21
